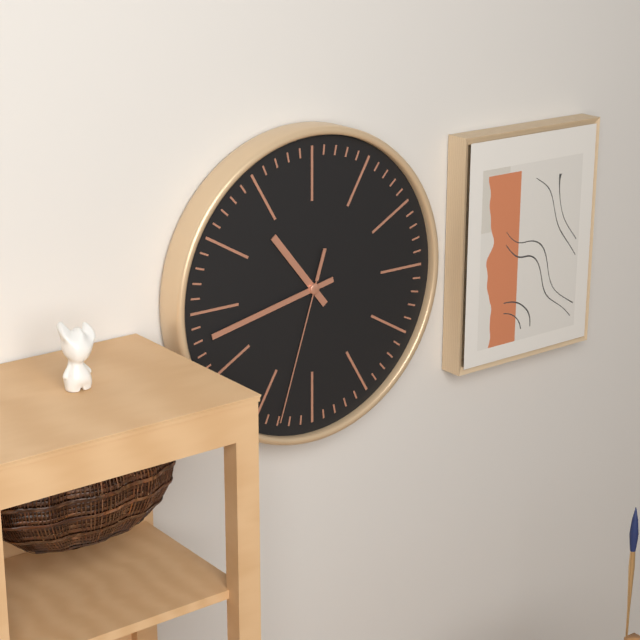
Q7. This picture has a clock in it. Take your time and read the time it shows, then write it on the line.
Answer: 10:43:33
